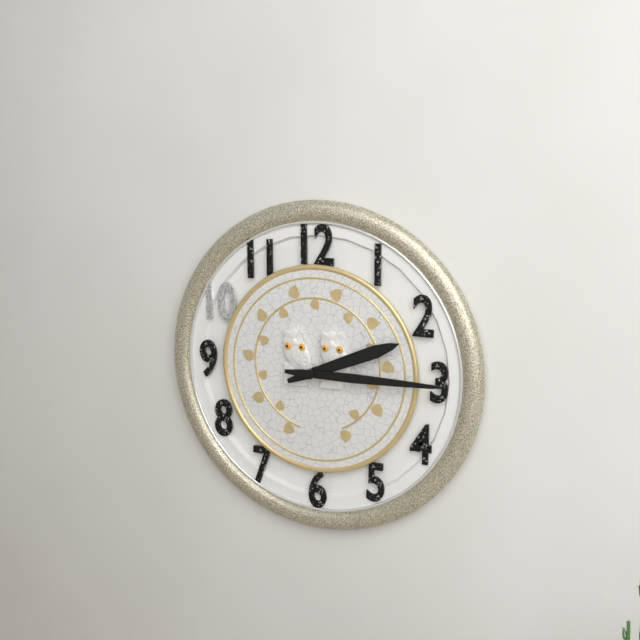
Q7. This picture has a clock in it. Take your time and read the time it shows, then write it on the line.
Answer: 2:15
